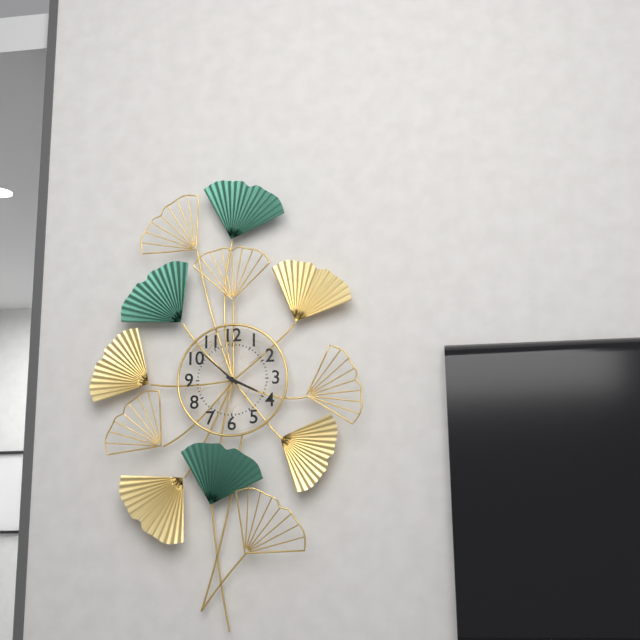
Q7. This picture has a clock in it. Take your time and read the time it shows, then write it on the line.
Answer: 3:52
